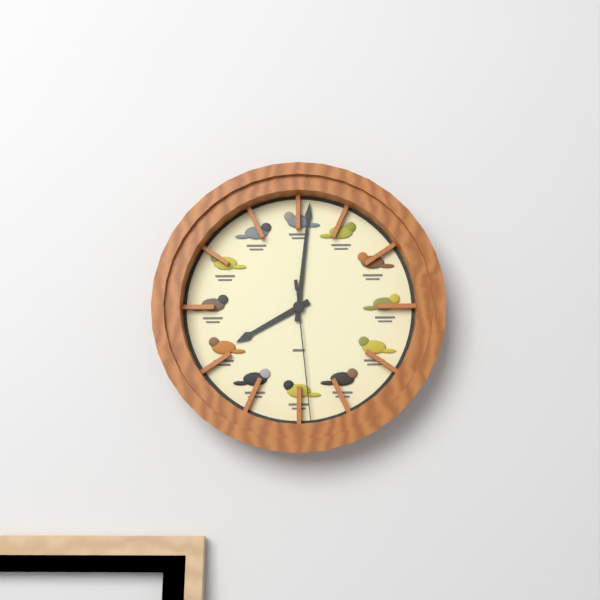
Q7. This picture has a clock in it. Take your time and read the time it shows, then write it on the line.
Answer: 8:01:29
